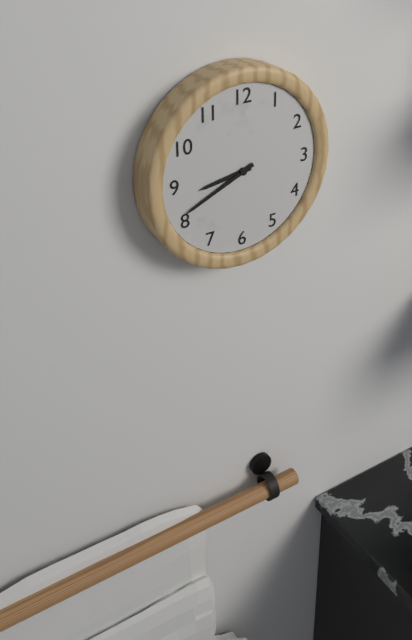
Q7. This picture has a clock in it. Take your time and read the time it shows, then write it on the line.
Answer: 8:41
